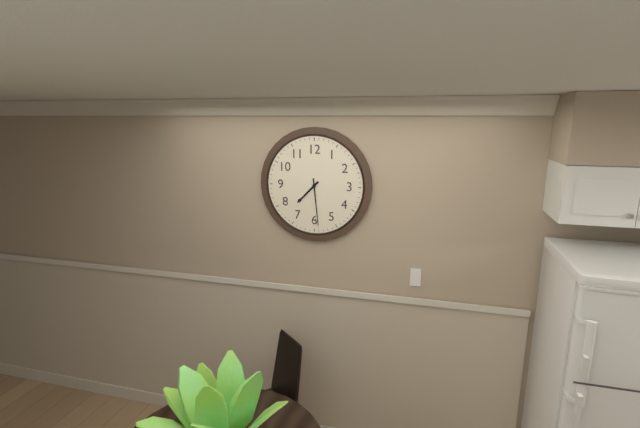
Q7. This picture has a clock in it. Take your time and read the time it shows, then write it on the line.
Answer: 7:29
